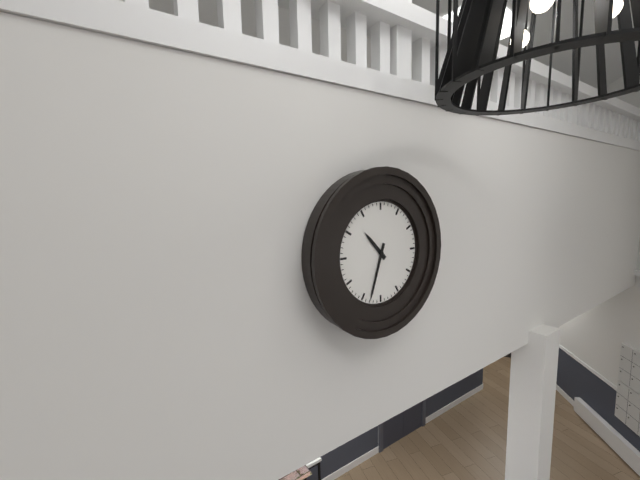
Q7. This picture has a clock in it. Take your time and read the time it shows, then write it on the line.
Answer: 10:33
